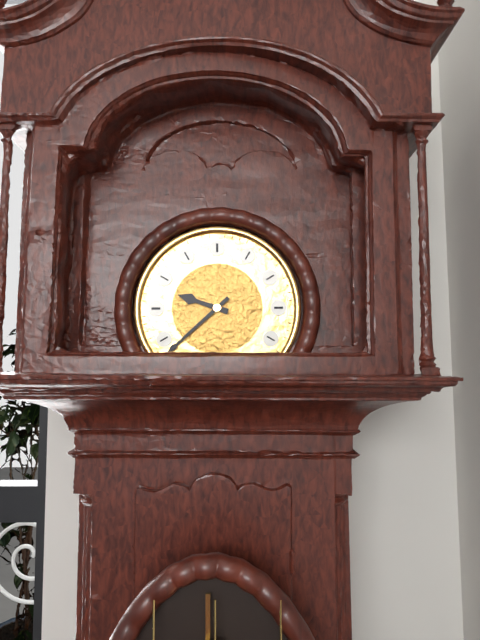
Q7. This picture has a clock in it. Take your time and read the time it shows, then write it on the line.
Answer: 9:38
